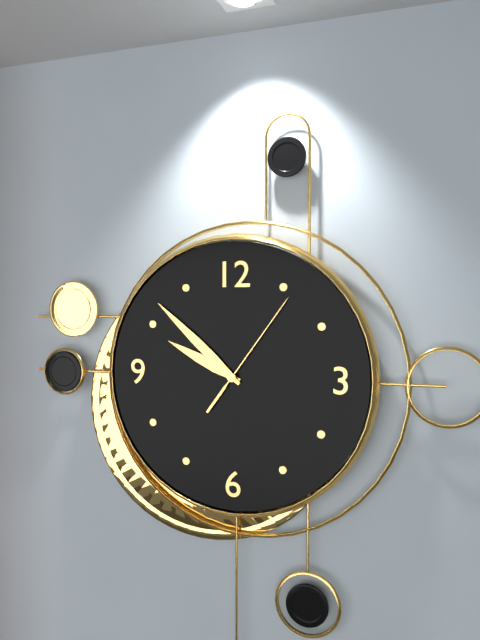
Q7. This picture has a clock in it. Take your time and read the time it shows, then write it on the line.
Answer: 9:52:06
